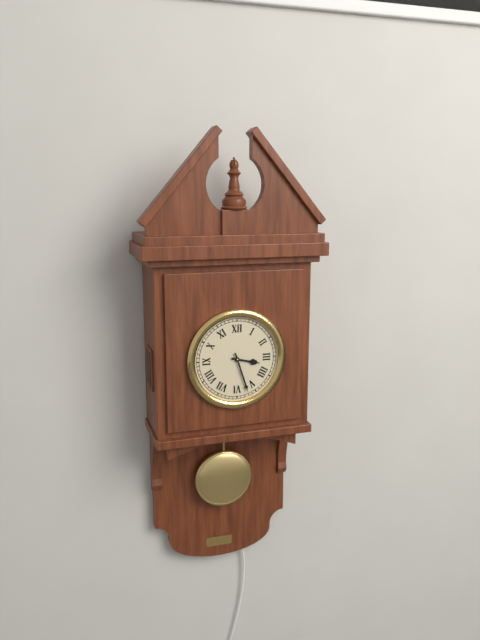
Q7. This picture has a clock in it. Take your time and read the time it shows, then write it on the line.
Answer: 3:27
